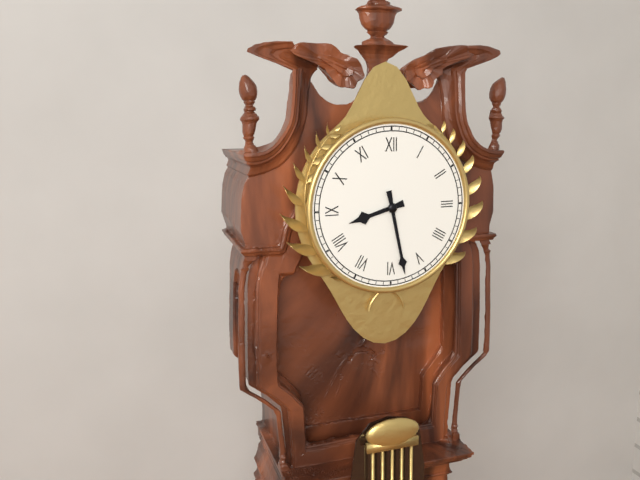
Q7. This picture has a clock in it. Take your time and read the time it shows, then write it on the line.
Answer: 8:28
